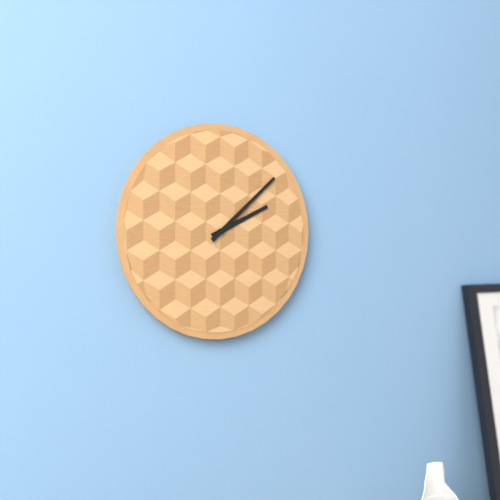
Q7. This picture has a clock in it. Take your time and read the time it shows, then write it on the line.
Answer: 2:08
